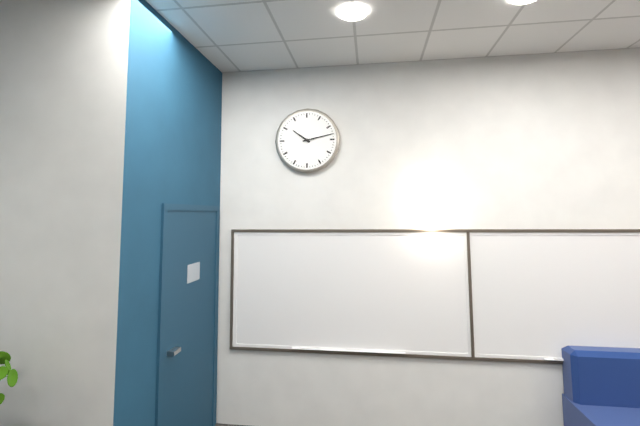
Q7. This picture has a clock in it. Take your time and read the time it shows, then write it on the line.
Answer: 10:13
